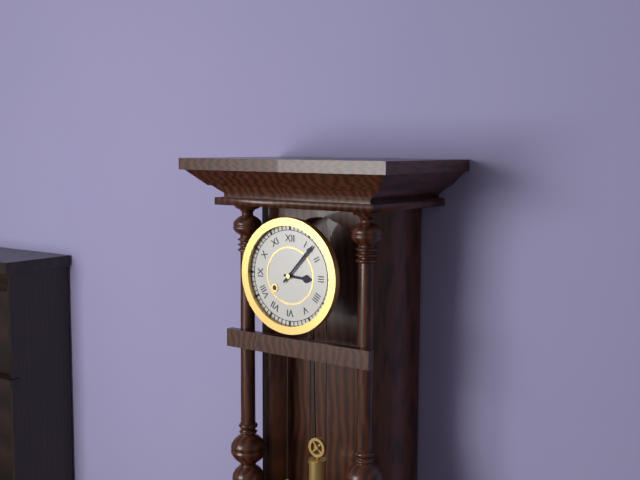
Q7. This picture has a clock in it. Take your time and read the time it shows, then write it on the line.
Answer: 3:07
